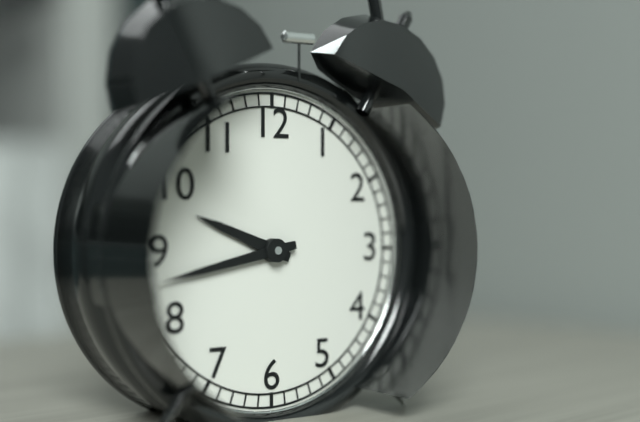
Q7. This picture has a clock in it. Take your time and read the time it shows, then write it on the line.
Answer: 9:43
